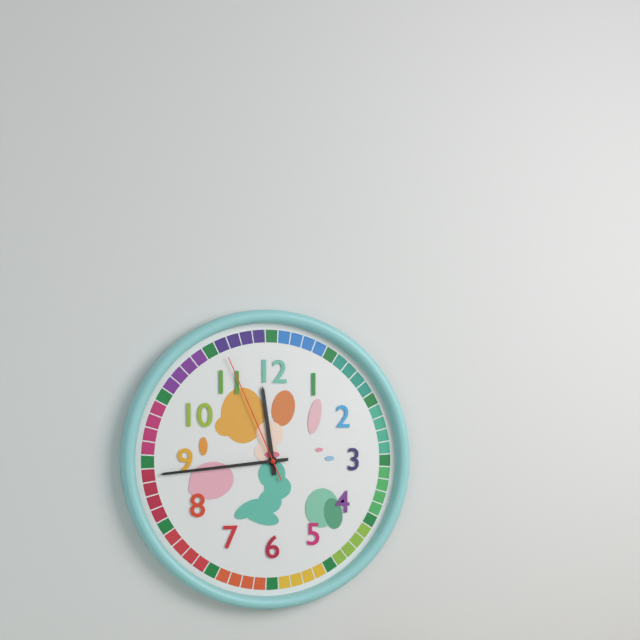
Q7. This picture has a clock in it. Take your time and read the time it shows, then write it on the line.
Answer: 11:44:56
